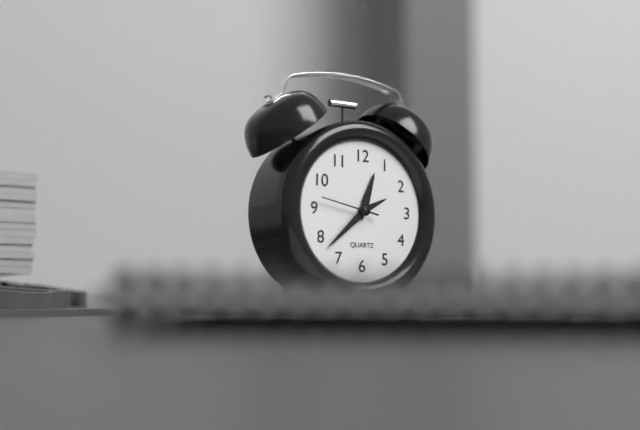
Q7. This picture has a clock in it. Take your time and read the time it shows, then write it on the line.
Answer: 12:38:47
